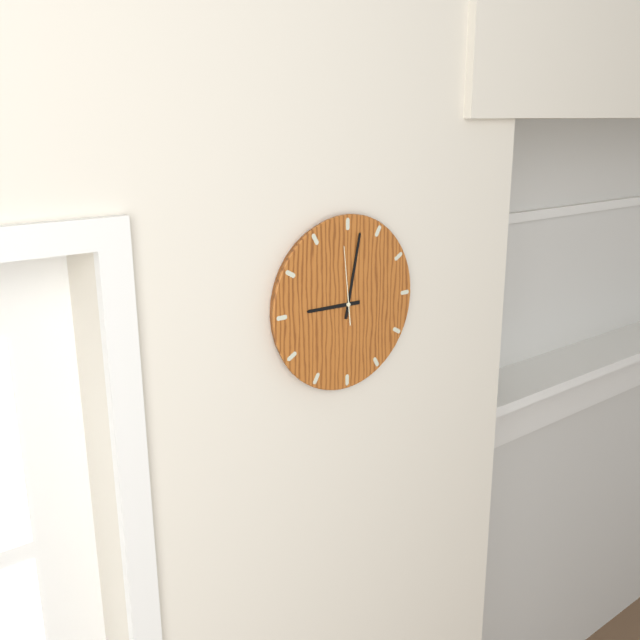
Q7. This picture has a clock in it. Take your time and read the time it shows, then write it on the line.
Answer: 9:02:59
